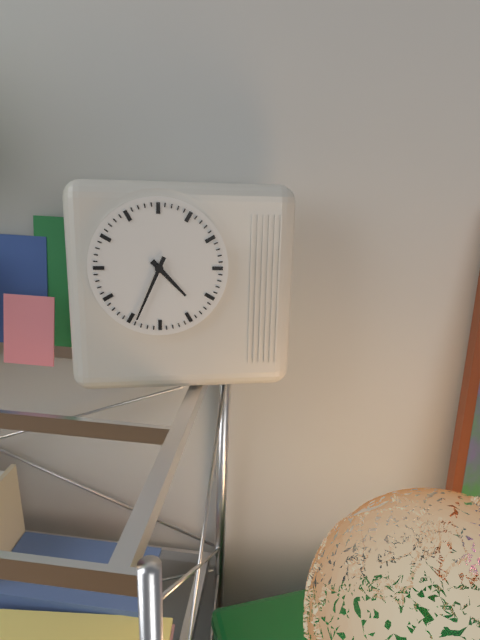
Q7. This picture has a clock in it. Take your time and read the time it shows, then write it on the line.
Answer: 4:34
